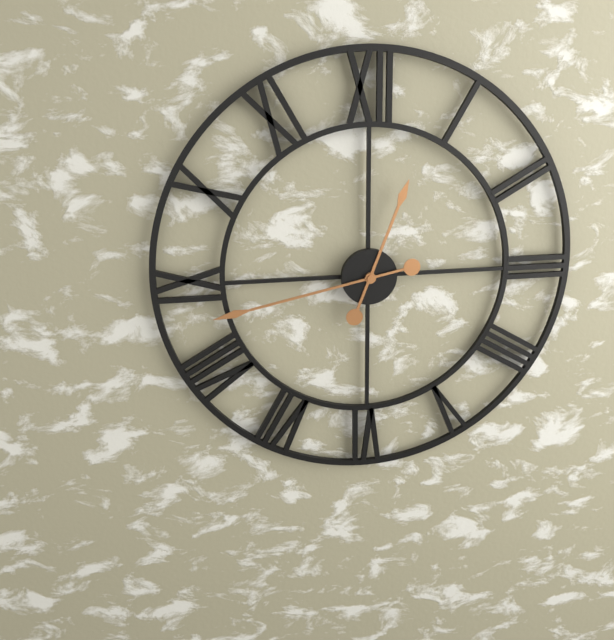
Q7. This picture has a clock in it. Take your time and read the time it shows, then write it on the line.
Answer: 12:43
